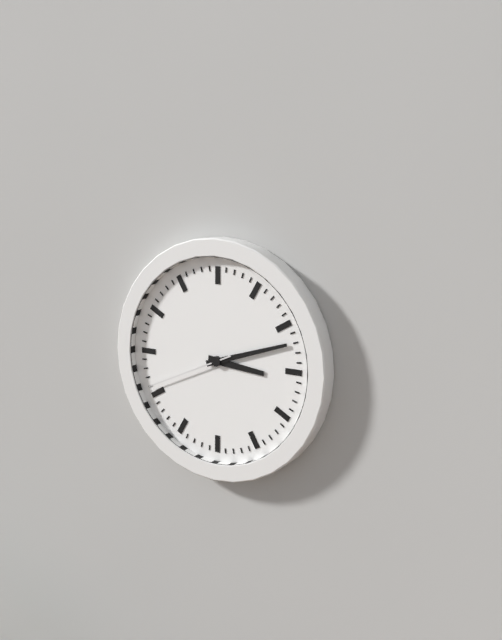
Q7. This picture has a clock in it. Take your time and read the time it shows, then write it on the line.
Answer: 3:12:41
